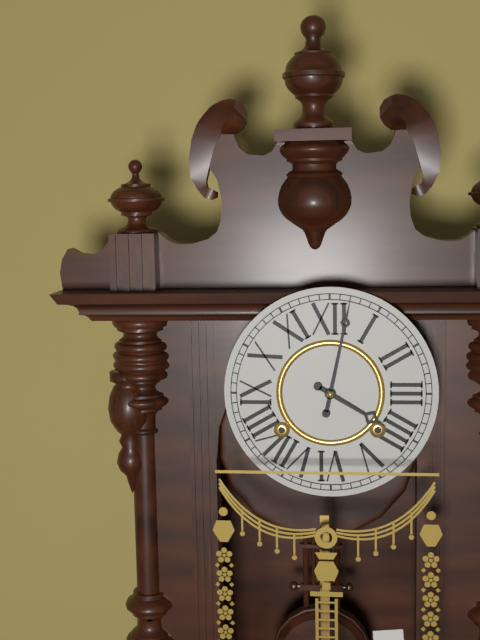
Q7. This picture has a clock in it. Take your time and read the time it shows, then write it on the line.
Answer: 4:02
